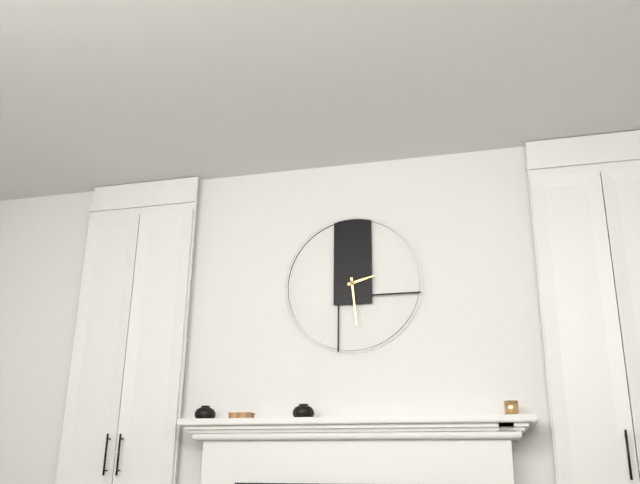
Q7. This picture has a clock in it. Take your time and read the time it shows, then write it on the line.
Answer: 2:29
